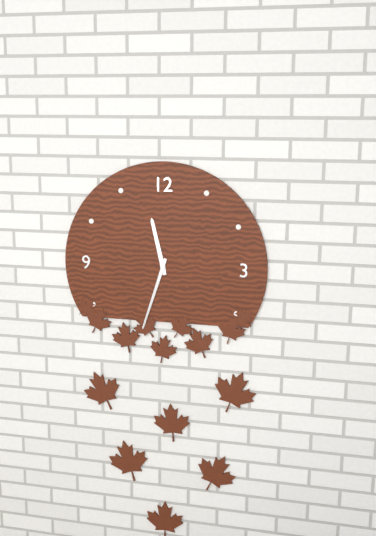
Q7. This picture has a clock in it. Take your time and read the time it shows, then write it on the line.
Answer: 11:33
